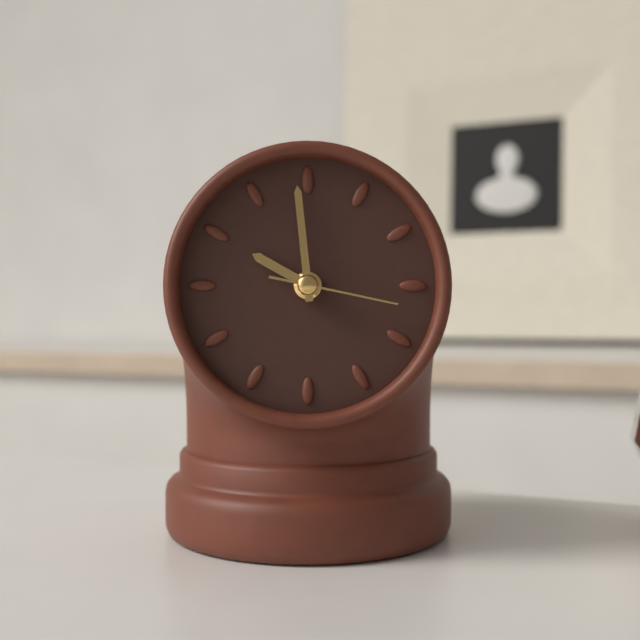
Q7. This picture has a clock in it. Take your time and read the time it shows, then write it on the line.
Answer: 9:59:17
